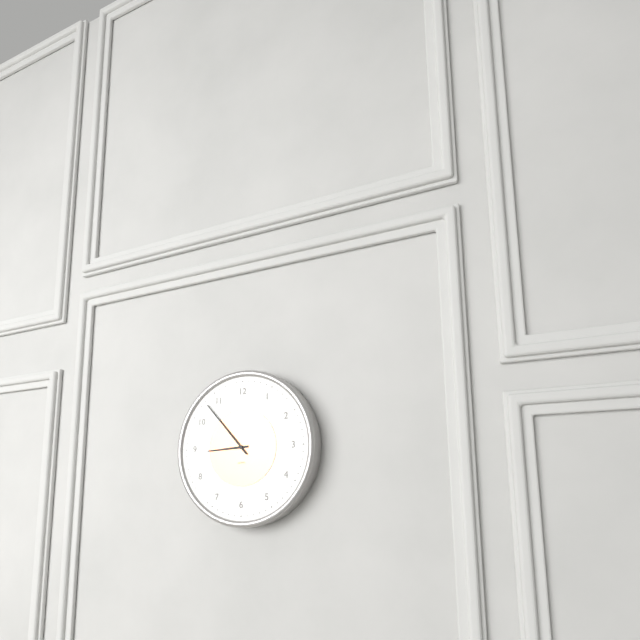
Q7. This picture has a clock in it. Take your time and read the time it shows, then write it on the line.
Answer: 8:53
